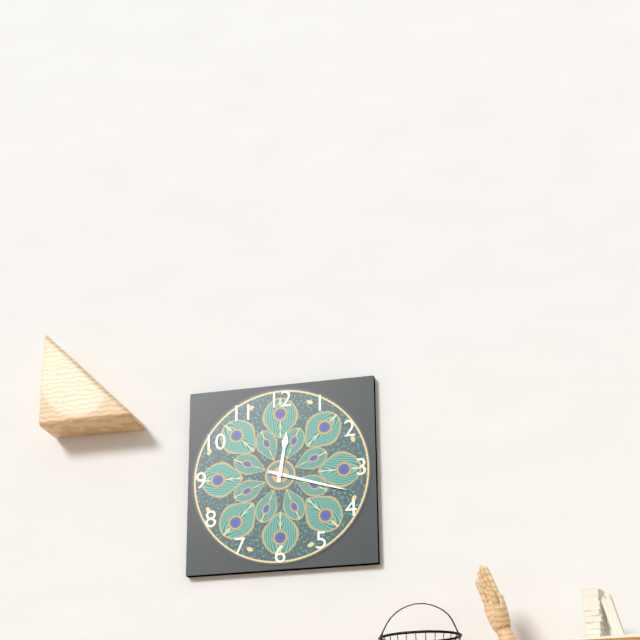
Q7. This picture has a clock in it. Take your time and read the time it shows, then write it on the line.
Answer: 12:18
